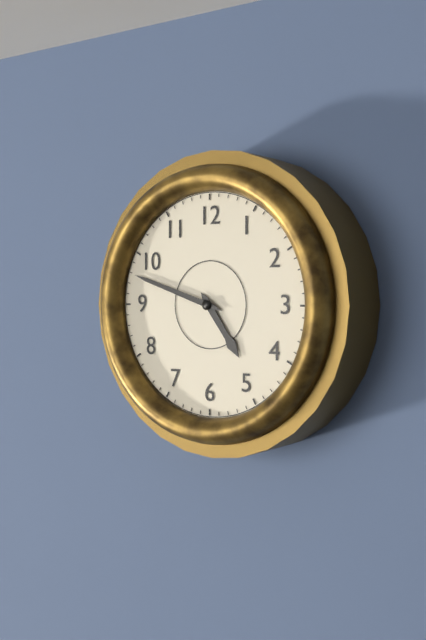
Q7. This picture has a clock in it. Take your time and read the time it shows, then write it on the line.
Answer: 4:48
